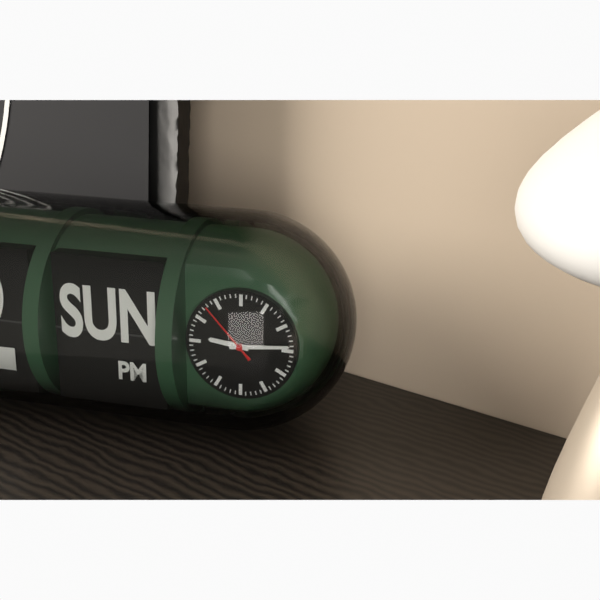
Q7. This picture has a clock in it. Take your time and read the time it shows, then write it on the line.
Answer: 9:14:53
